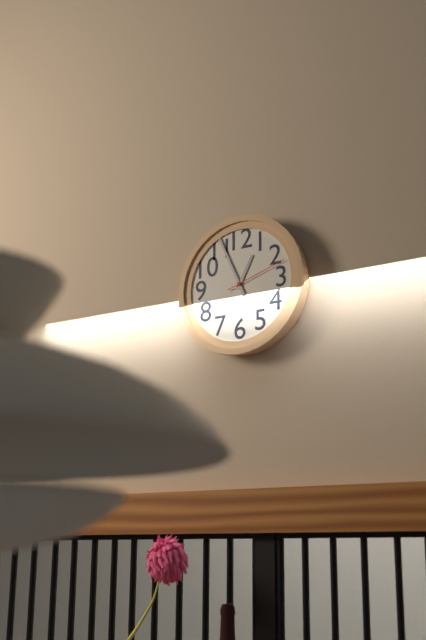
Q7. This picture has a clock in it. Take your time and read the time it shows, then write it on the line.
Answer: 12:56:12
